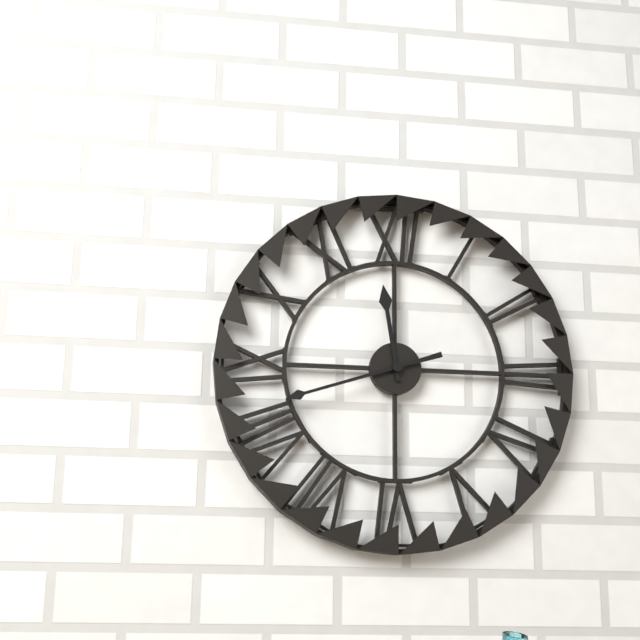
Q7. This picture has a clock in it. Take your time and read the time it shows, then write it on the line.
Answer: 11:42
